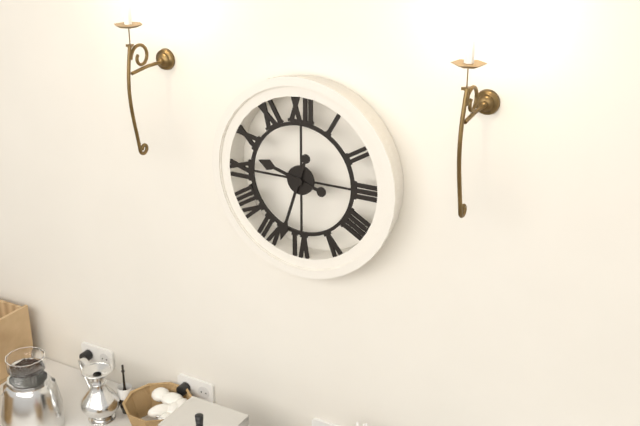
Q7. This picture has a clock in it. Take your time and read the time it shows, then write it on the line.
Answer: 9:33
